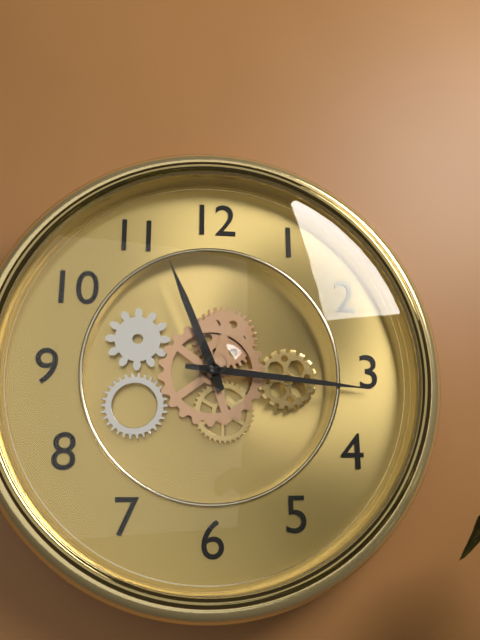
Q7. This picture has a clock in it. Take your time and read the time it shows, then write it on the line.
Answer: 11:16
